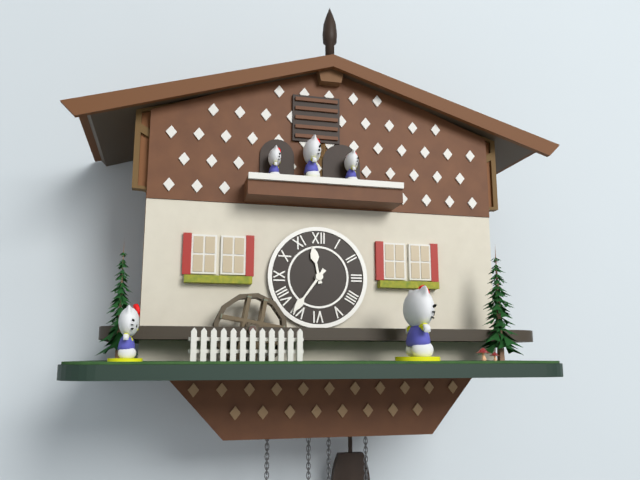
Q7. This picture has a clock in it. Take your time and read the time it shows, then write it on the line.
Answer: 11:36
